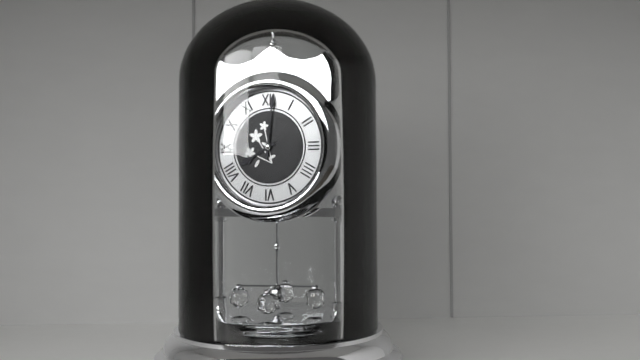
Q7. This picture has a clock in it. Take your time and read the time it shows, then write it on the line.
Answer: 8:01
